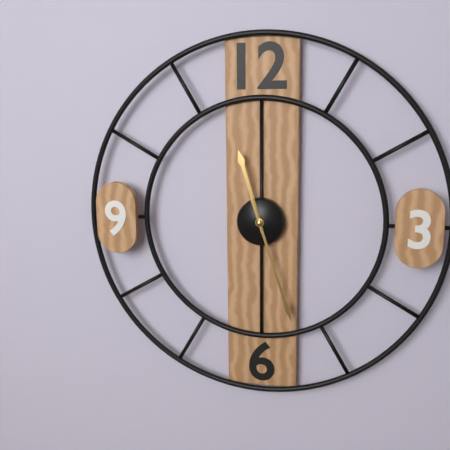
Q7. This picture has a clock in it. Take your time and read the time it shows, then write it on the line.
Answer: 11:27
